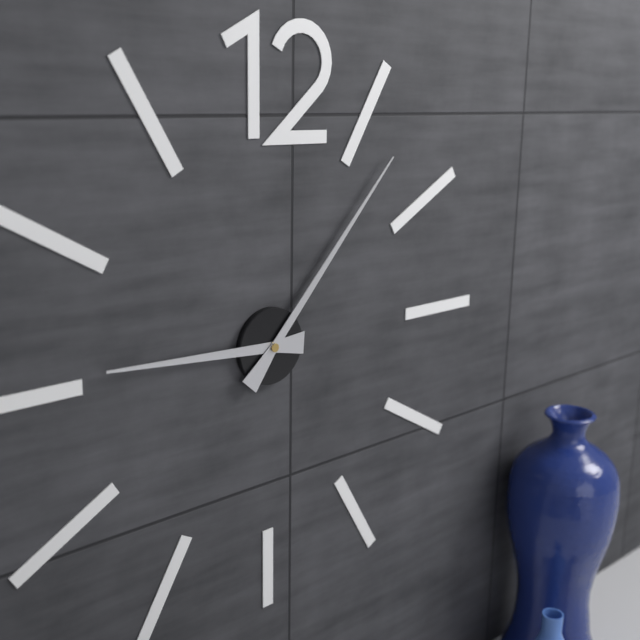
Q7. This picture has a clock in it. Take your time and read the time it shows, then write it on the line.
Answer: 9:07
